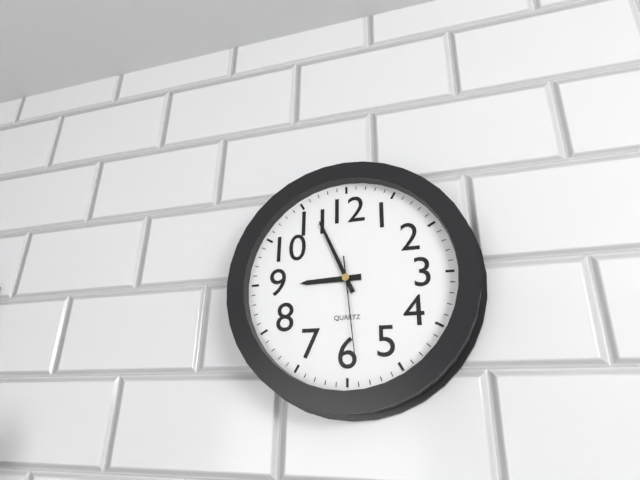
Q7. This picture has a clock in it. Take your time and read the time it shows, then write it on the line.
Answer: 8:56:29
